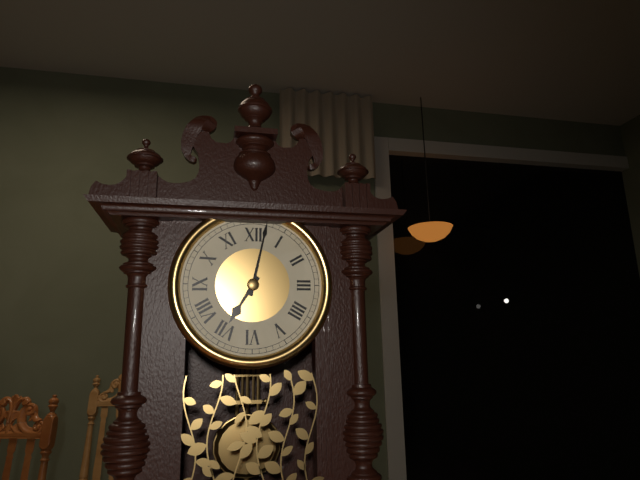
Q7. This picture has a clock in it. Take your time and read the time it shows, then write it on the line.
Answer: 7:02
